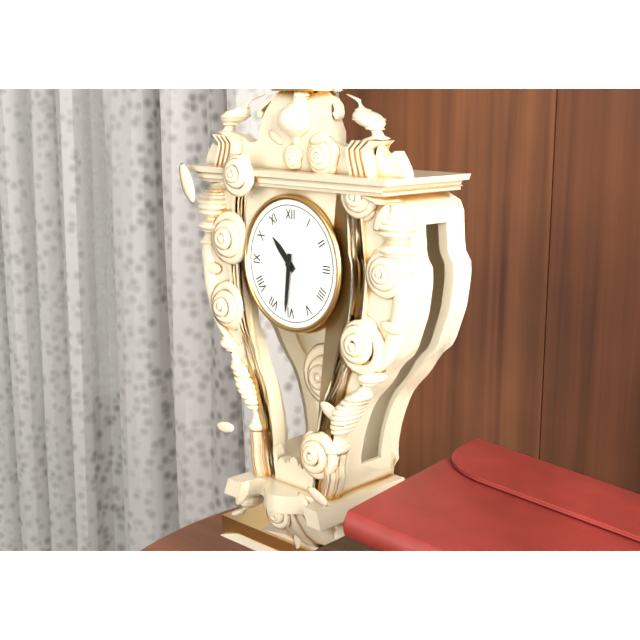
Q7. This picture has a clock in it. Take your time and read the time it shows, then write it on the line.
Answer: 10:31
